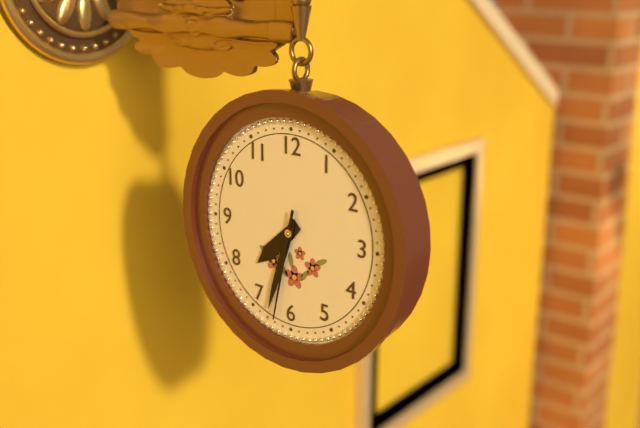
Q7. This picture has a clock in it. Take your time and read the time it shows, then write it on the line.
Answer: 7:33:32
